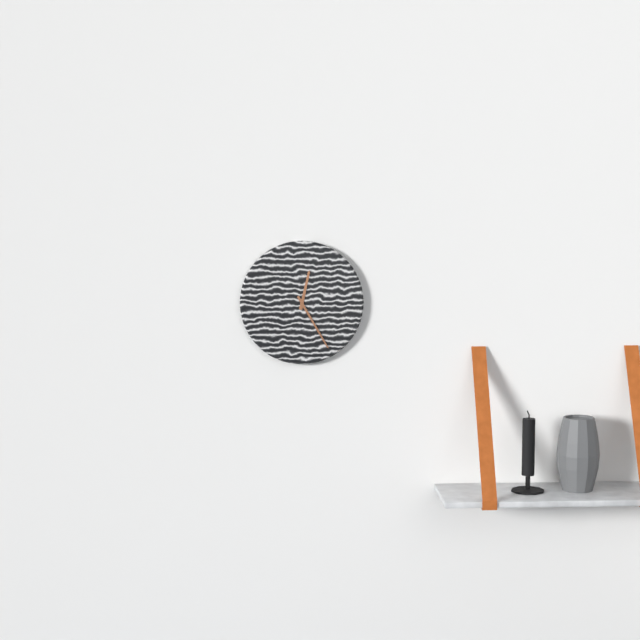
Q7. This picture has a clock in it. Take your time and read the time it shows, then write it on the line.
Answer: 12:25
